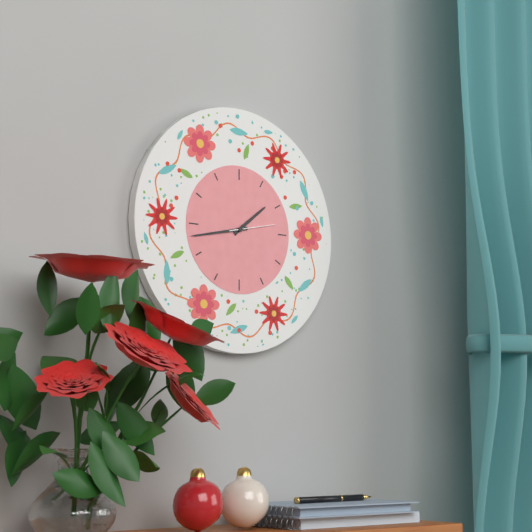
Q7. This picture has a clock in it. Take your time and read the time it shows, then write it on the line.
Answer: 1:43
